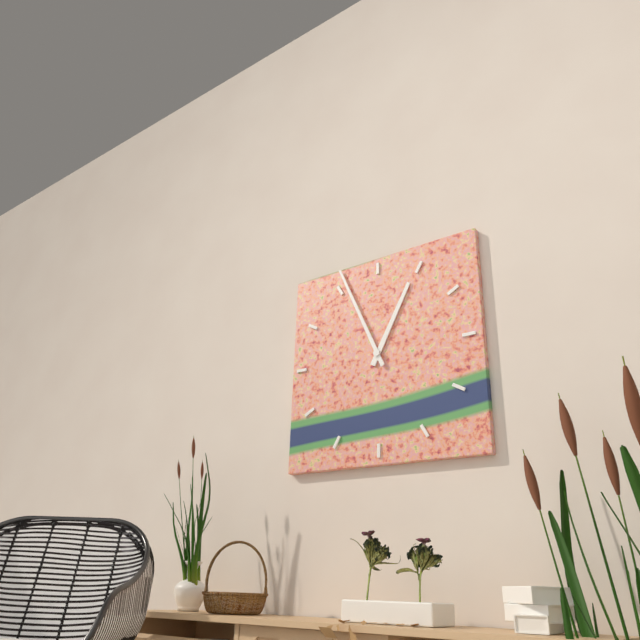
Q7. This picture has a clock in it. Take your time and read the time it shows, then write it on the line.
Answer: 12:56
